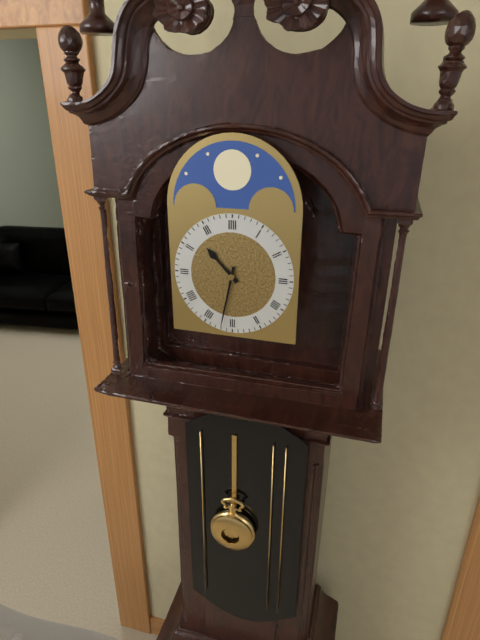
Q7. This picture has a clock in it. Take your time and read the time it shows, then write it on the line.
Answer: 10:32
